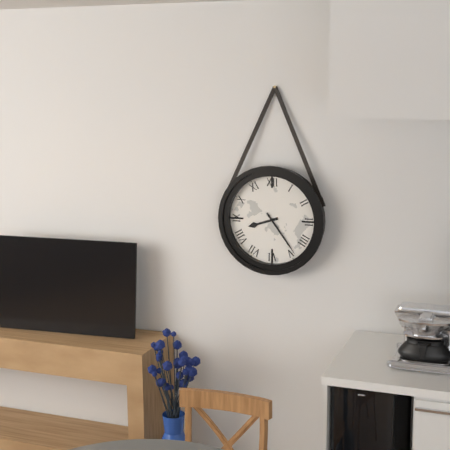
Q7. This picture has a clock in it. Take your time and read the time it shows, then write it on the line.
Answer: 8:24
